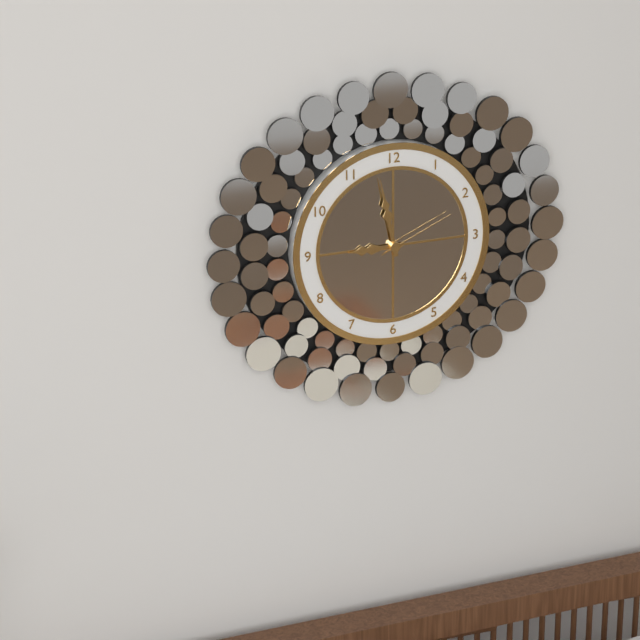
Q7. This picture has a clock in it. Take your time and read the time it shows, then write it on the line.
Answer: 8:58:11
